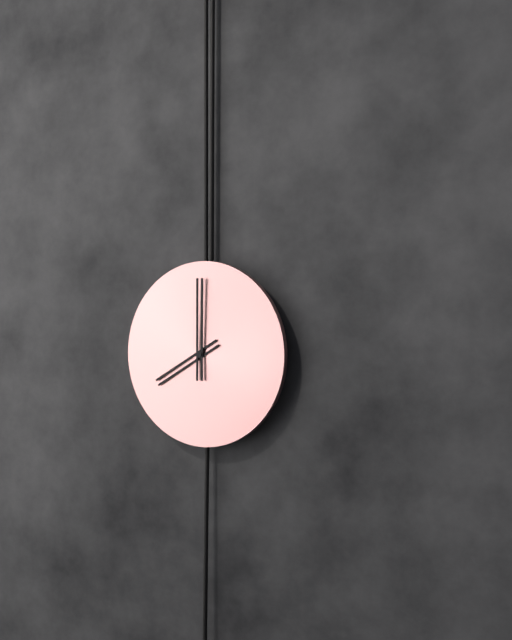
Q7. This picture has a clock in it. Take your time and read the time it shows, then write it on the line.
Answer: 8:00
